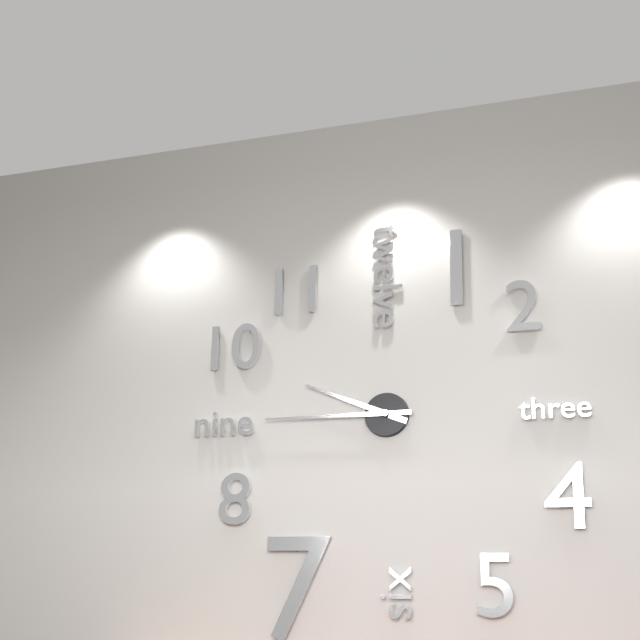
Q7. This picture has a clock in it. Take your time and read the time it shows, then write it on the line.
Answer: 9:45
